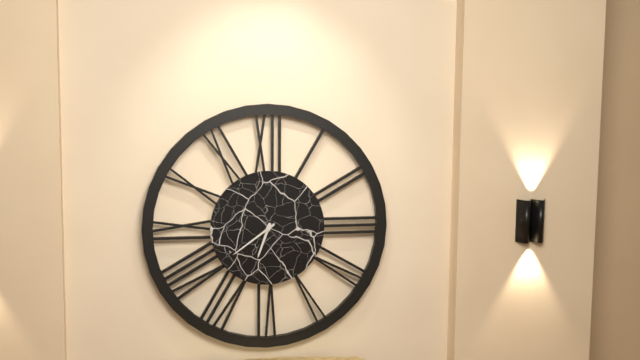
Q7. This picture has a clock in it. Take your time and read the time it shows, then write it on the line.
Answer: 6:39
